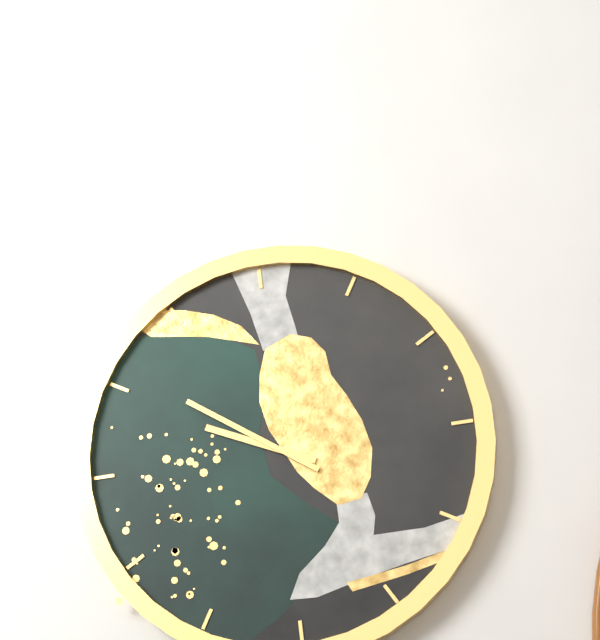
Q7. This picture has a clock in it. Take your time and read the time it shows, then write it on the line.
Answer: 9:51
